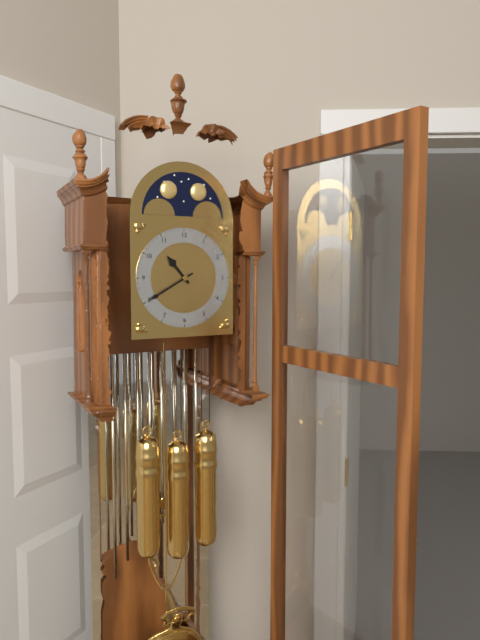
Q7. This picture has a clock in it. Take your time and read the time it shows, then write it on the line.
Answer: 10:40
